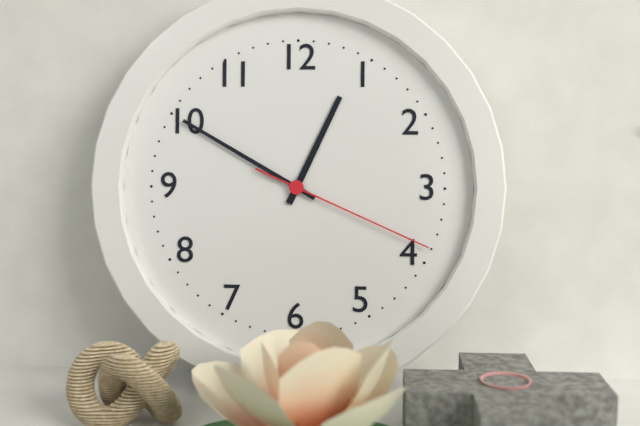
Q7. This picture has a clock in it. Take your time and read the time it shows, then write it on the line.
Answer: 12:50:19
